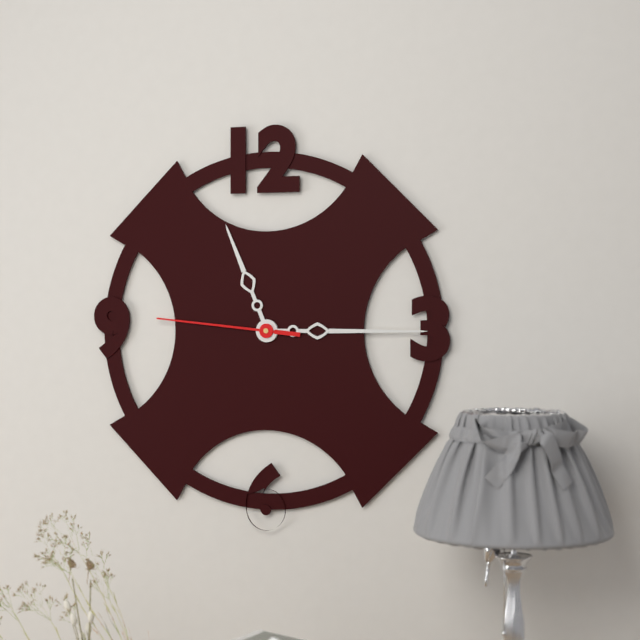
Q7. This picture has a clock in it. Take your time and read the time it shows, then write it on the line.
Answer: 11:15:46
